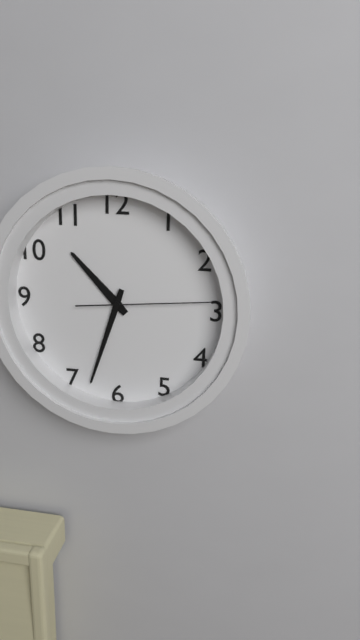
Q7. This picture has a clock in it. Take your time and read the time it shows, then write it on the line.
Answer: 10:33:14
